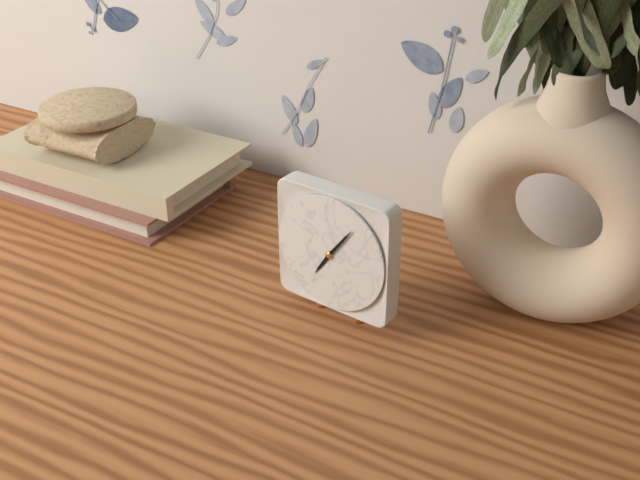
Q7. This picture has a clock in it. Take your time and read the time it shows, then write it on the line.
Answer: 7:06
